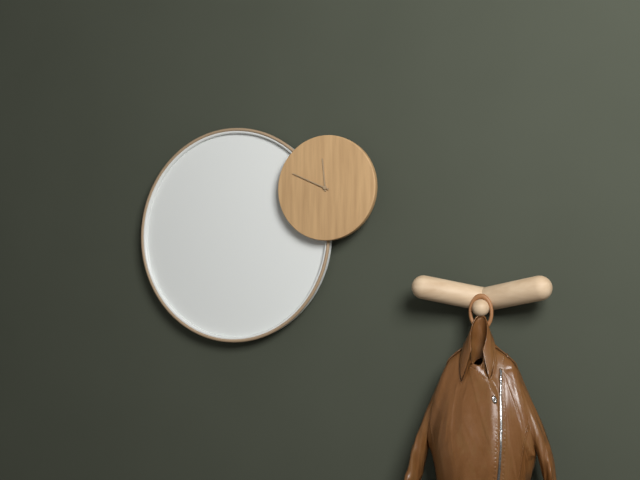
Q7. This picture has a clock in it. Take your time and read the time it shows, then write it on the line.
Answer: 11:49
